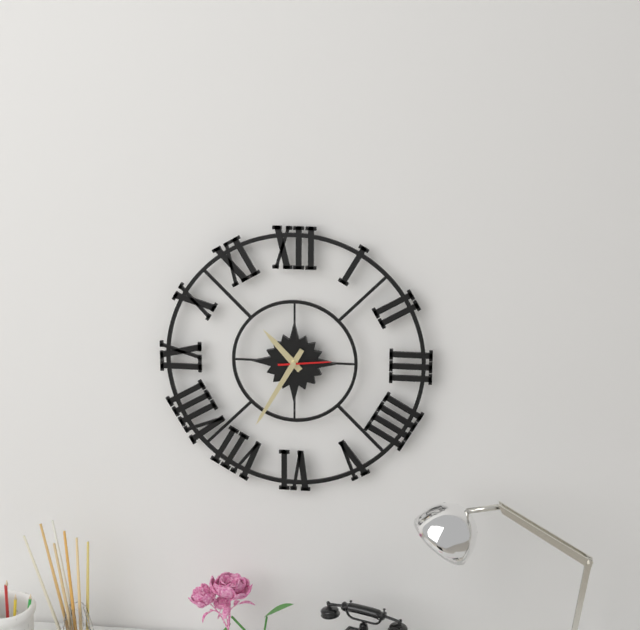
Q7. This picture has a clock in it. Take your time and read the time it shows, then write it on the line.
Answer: 10:35
